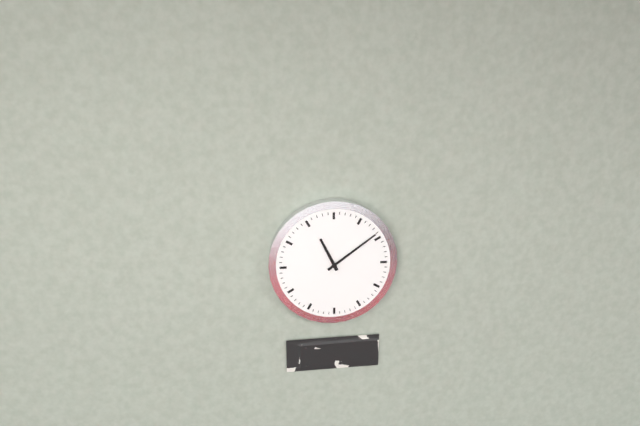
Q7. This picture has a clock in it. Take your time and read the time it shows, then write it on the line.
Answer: 11:09
